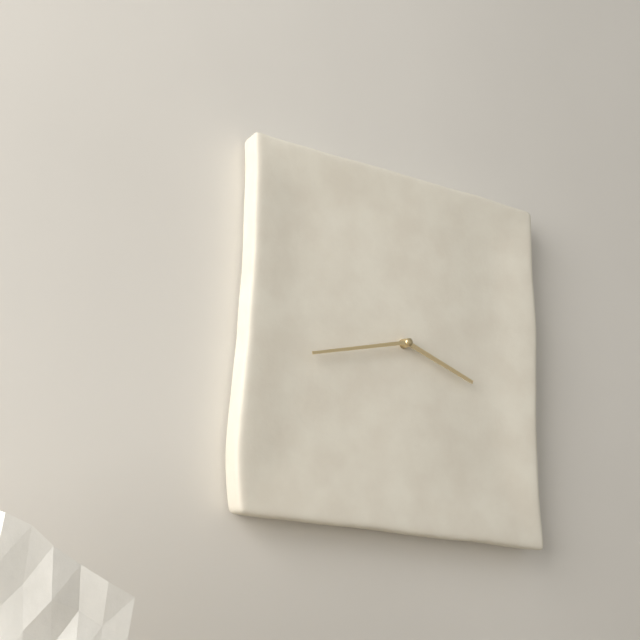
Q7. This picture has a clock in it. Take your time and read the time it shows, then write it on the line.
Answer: 3:43
